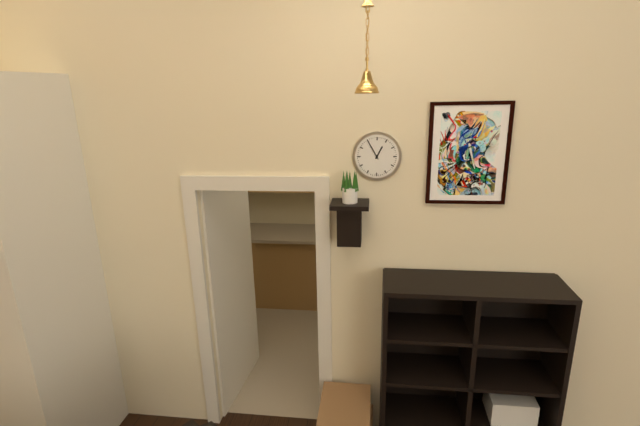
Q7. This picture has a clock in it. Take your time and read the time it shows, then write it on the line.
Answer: 12:55
